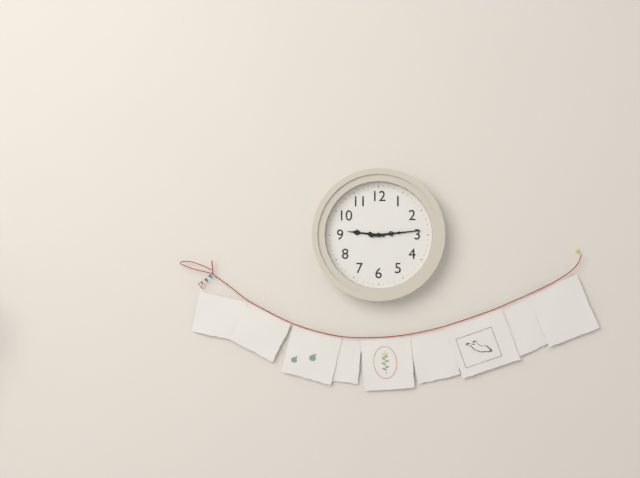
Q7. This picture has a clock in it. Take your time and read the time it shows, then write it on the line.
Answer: 9:14
